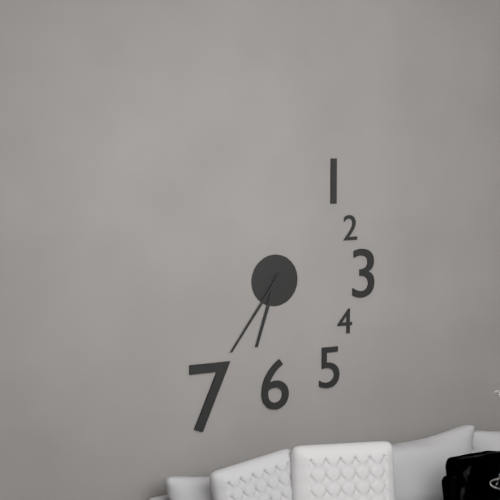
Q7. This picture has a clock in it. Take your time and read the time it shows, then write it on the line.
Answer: 6:36
